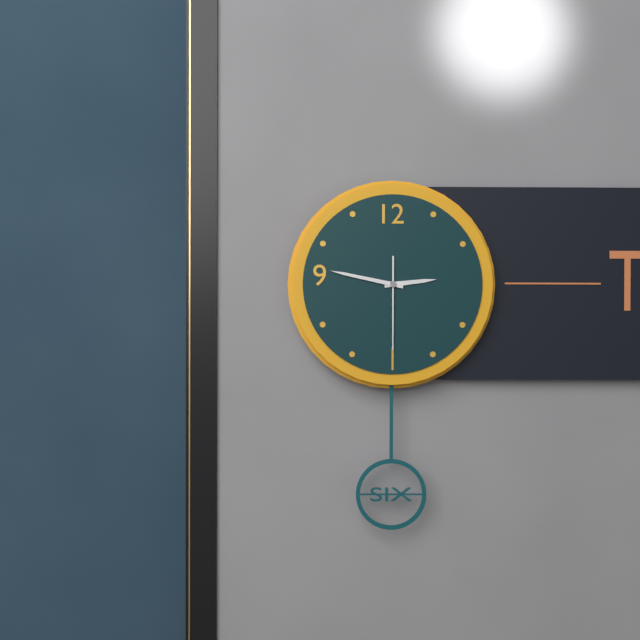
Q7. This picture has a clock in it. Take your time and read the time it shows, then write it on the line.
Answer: 2:47:30
